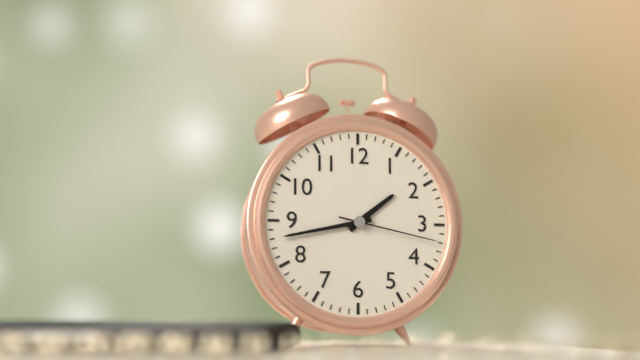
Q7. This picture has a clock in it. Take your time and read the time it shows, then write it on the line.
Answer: 1:43:17
